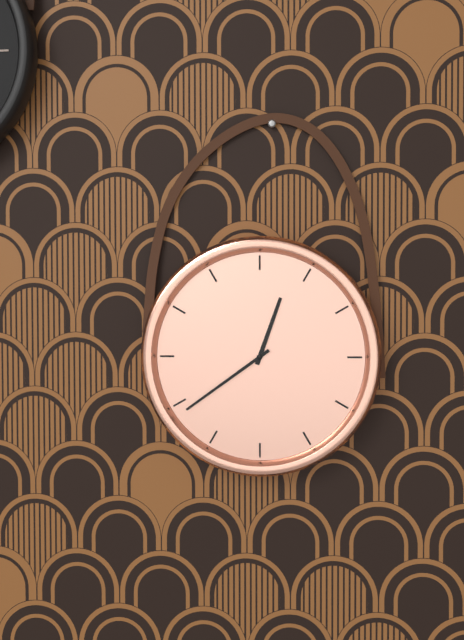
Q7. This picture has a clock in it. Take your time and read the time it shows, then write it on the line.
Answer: 12:39
